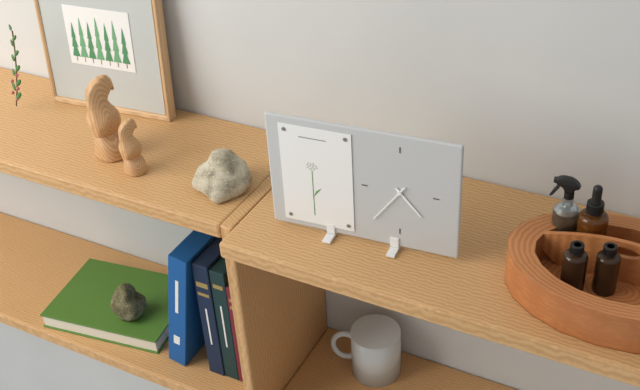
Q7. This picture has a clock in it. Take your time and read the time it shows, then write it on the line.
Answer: 4:36
